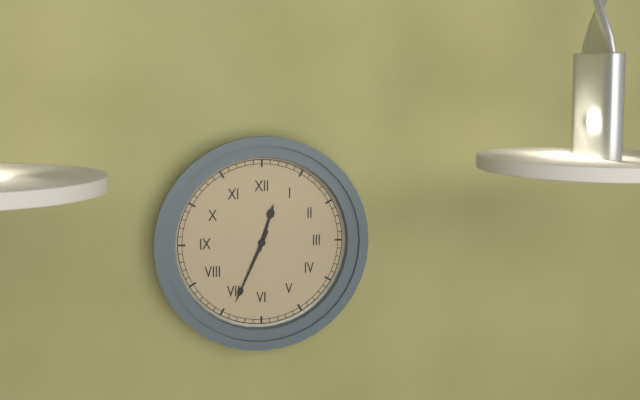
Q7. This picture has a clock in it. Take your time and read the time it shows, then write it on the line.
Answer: 12:34
